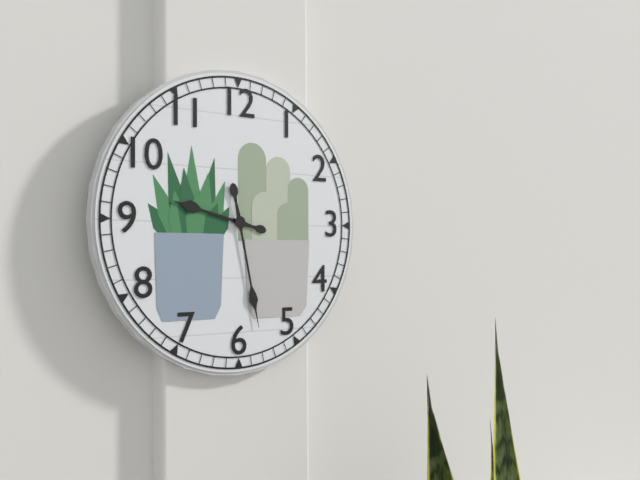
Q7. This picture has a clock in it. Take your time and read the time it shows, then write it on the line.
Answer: 9:28
